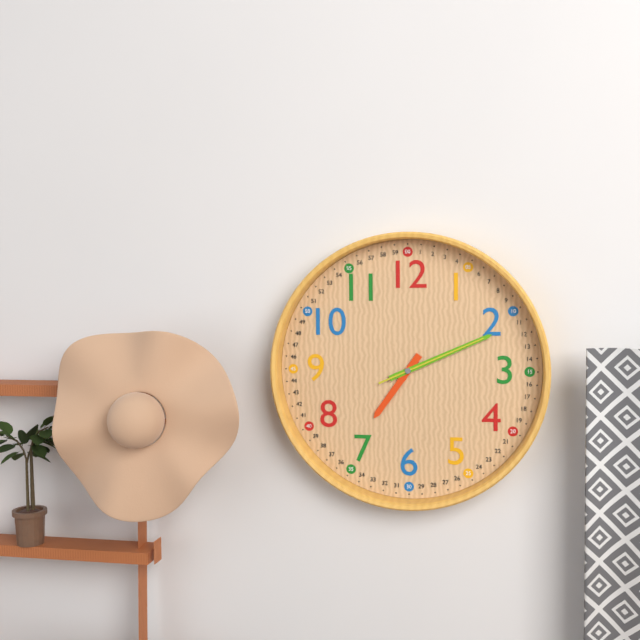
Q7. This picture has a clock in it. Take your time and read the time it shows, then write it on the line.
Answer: 7:11:11
